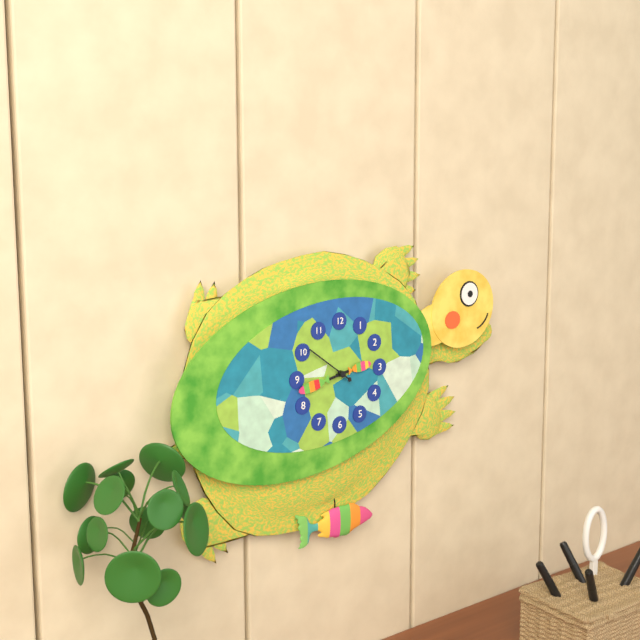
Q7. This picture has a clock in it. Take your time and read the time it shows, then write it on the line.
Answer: 2:43
